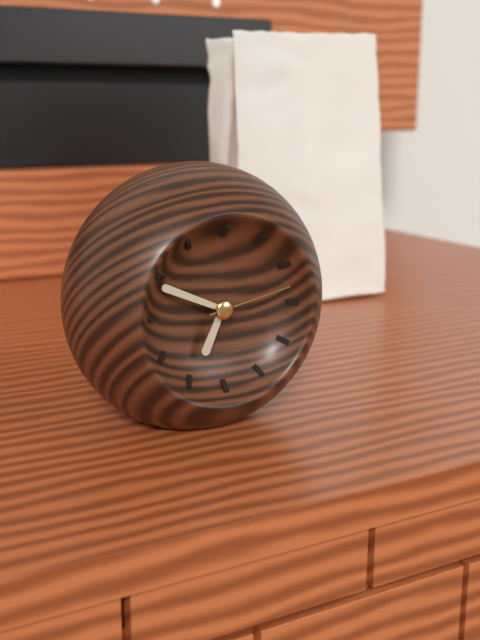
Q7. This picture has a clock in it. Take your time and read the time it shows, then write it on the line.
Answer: 6:49:13
